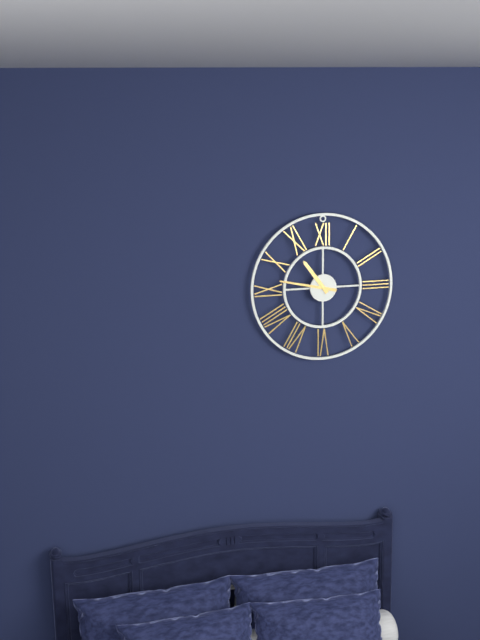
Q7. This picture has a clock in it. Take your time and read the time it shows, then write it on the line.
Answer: 10:47
